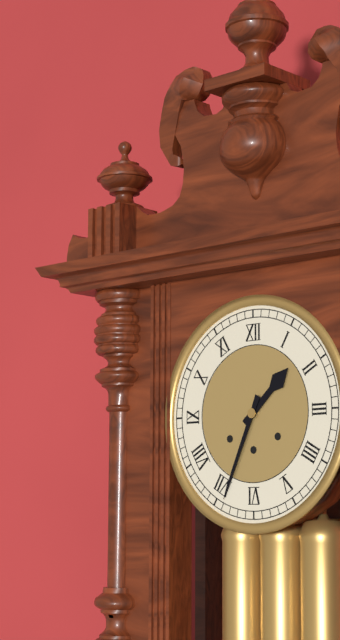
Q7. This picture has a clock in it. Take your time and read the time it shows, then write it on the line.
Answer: 1:34
